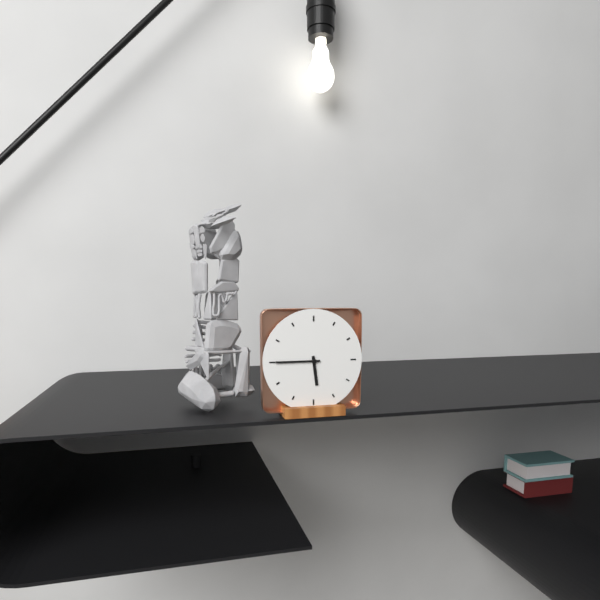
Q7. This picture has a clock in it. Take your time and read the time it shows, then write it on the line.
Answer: 5:45
